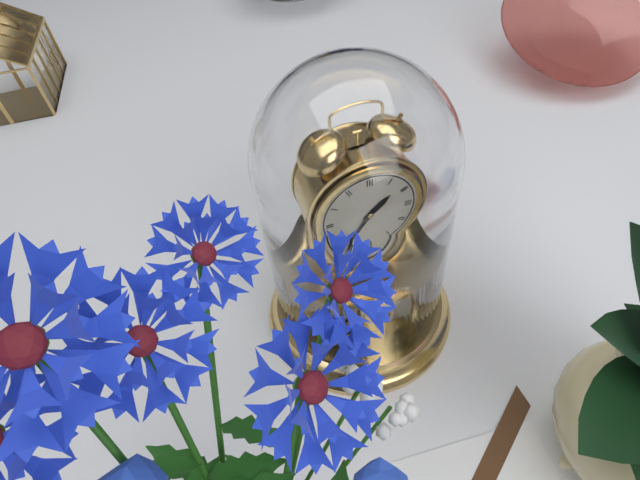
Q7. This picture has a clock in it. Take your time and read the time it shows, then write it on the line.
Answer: 1:36
